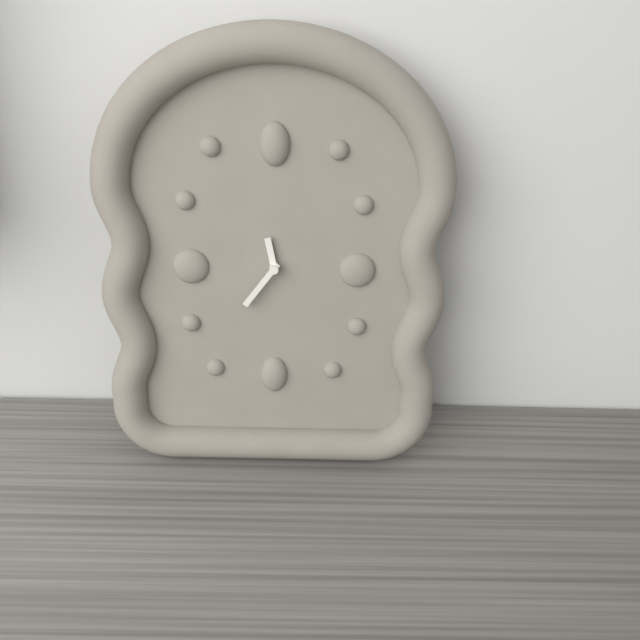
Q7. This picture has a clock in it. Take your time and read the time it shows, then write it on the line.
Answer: 11:36
